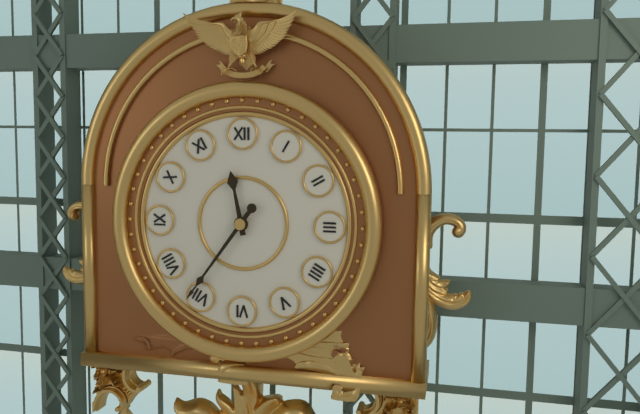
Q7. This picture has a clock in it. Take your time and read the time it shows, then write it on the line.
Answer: 11:36
